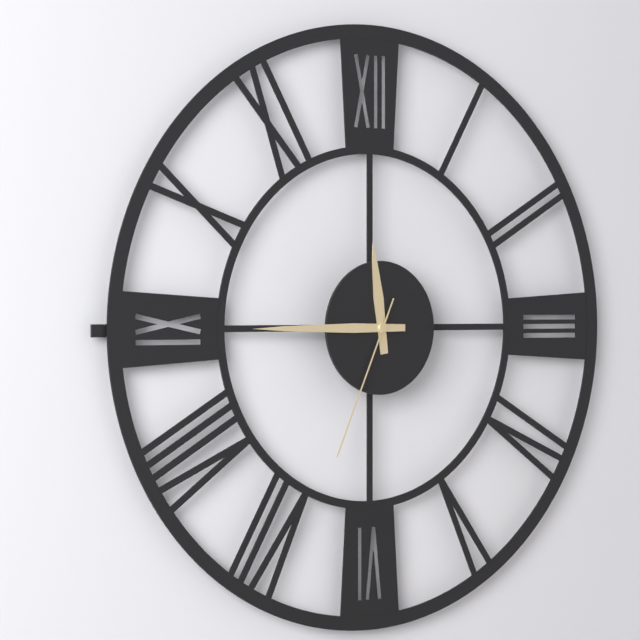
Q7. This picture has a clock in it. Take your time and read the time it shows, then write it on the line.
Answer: 11:45:34
